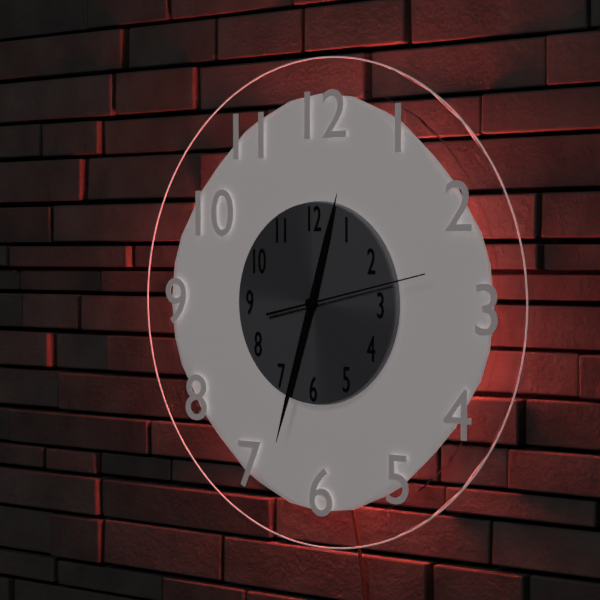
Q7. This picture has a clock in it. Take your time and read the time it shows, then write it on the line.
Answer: 12:33:13
